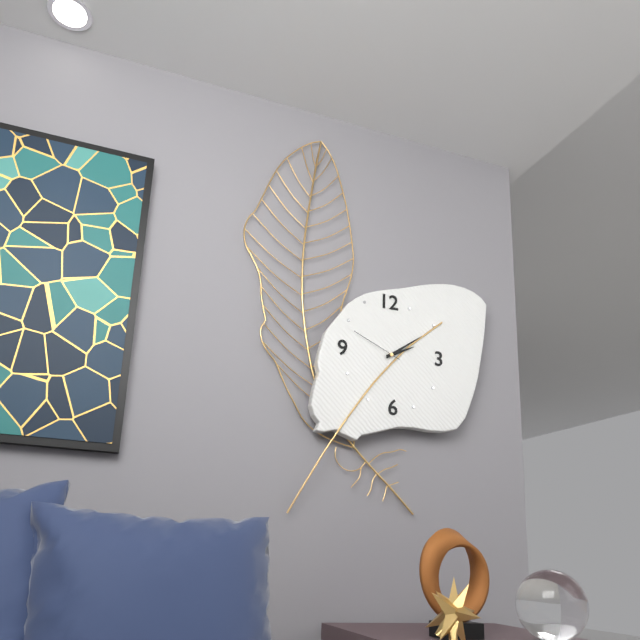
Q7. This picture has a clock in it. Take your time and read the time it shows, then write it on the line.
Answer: 2:09:49
